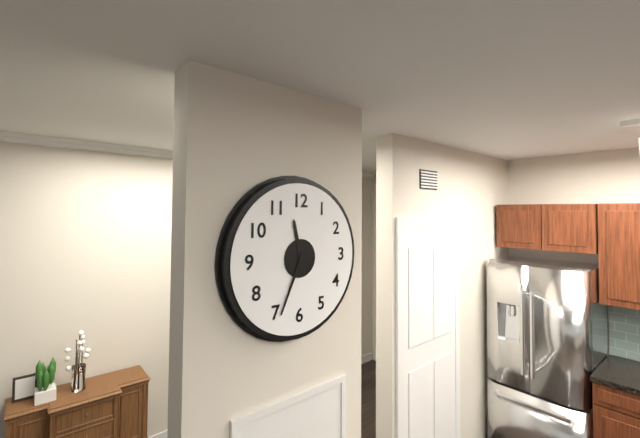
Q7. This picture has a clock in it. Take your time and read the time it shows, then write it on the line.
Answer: 11:34
